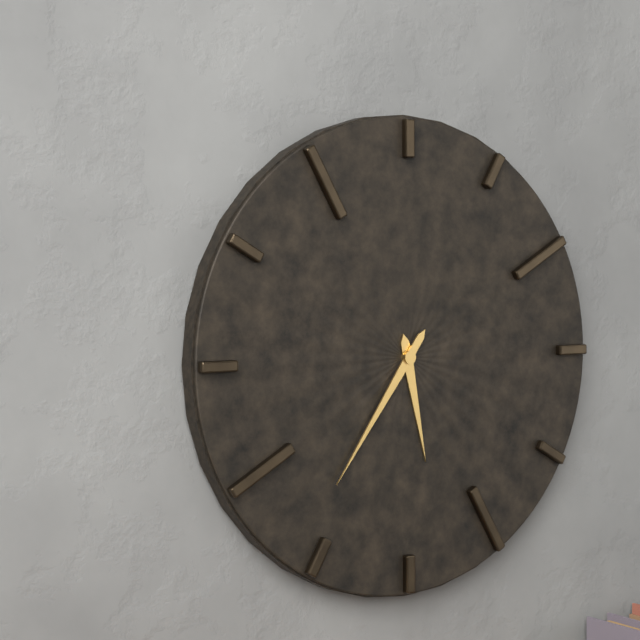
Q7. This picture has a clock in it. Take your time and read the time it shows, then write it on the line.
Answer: 5:36
